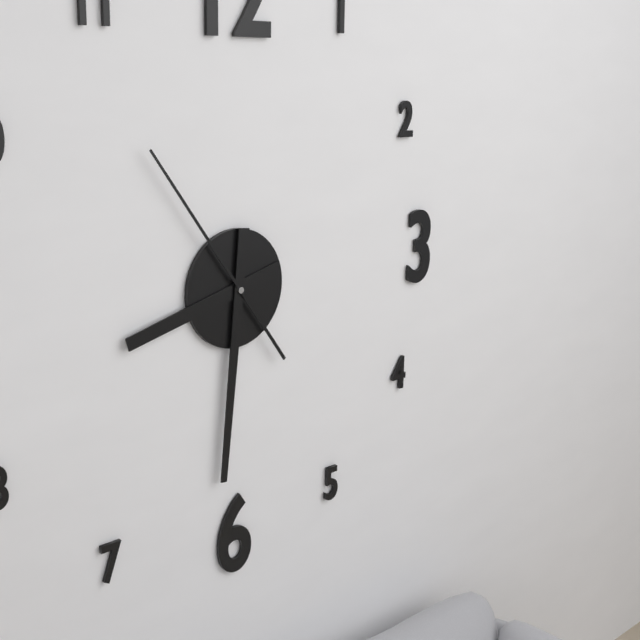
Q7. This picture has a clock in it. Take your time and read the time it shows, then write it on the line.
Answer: 8:31:54
